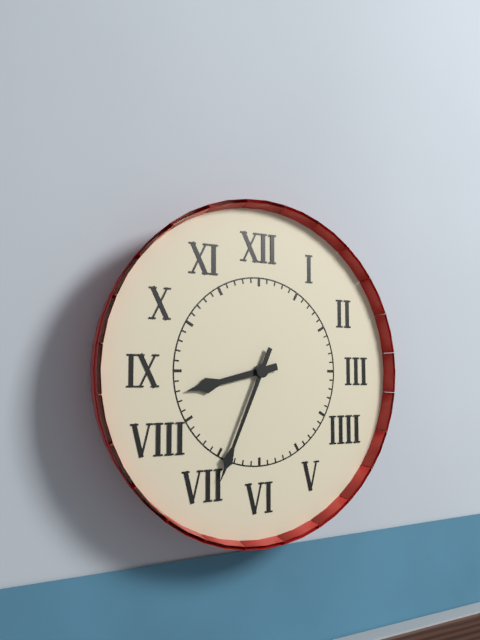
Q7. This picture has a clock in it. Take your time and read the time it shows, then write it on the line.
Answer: 8:34
